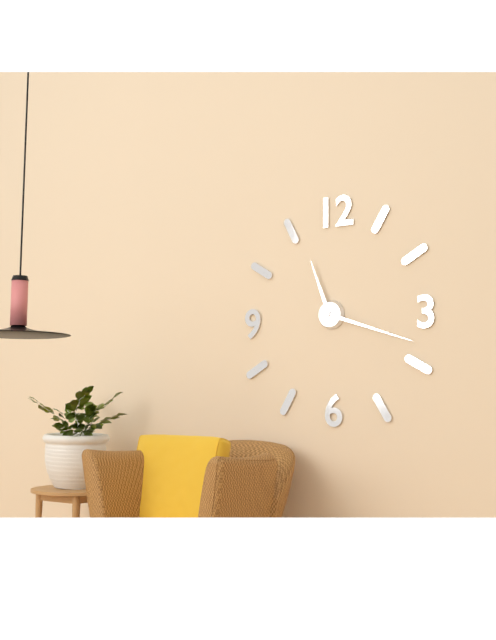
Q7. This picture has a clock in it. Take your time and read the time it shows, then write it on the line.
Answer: 11:18
